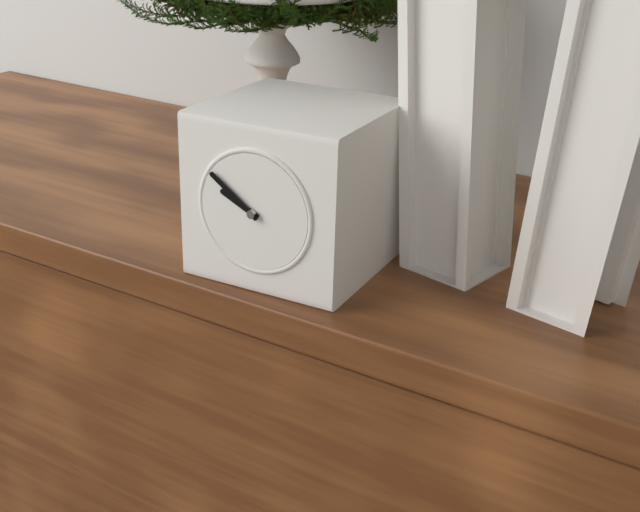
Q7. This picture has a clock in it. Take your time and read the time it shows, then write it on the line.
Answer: 9:51
